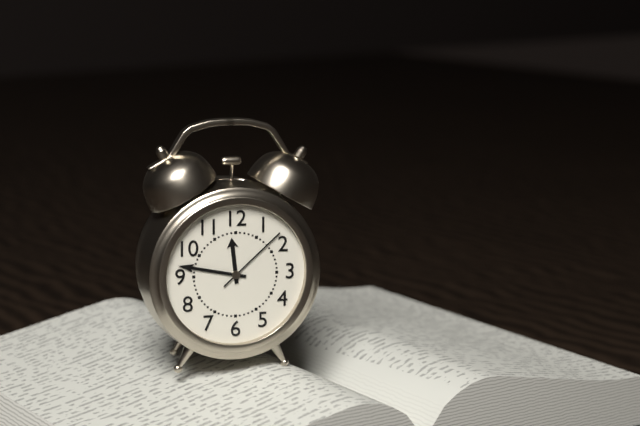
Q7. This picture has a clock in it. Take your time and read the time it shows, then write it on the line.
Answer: 11:47:08
